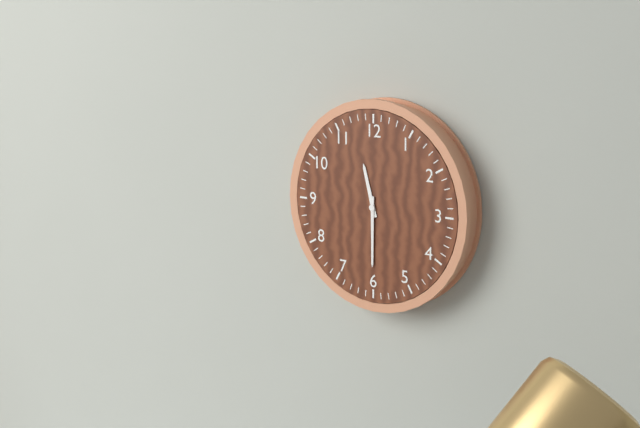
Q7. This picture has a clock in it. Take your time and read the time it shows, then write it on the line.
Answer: 11:30
